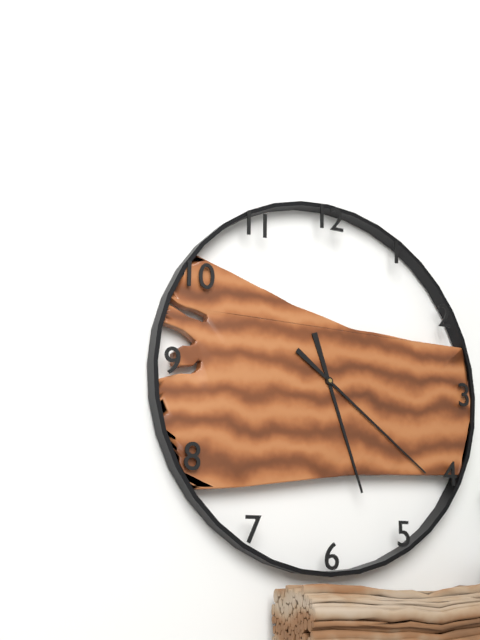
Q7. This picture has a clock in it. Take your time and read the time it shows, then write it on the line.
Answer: 5:21
